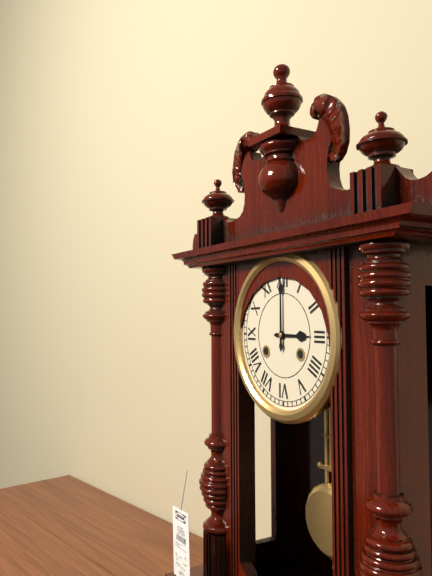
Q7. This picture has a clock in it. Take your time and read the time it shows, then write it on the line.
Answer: 3:00
